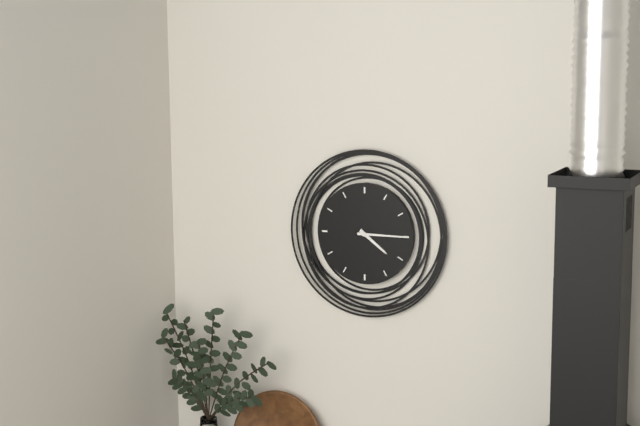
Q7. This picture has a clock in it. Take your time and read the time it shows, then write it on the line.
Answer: 4:15
